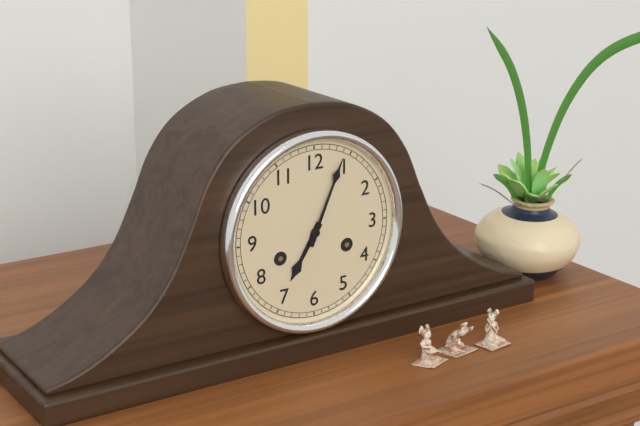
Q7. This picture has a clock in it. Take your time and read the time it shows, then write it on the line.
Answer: 7:04
